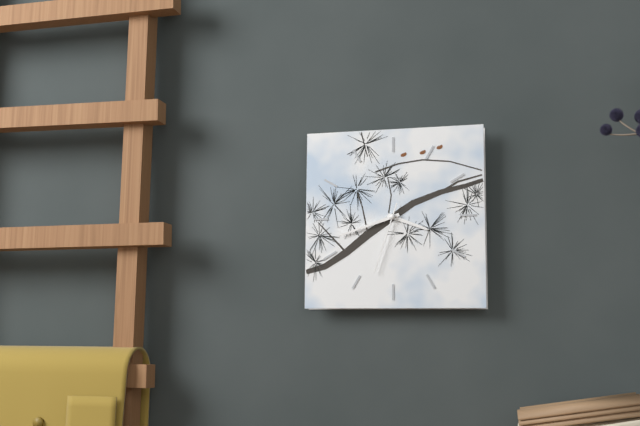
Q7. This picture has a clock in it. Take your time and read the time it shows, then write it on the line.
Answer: 3:42:33
